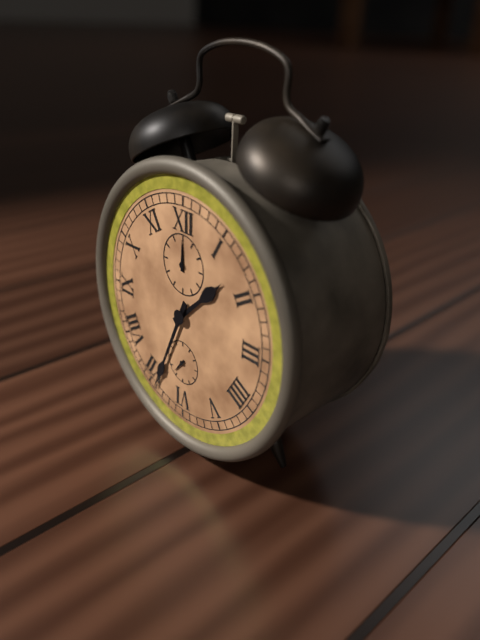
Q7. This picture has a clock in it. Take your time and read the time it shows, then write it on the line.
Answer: 1:34
